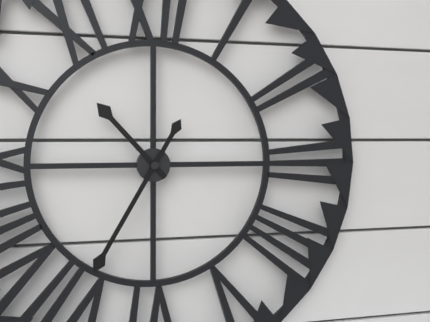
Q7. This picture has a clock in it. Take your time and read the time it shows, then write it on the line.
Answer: 10:35
